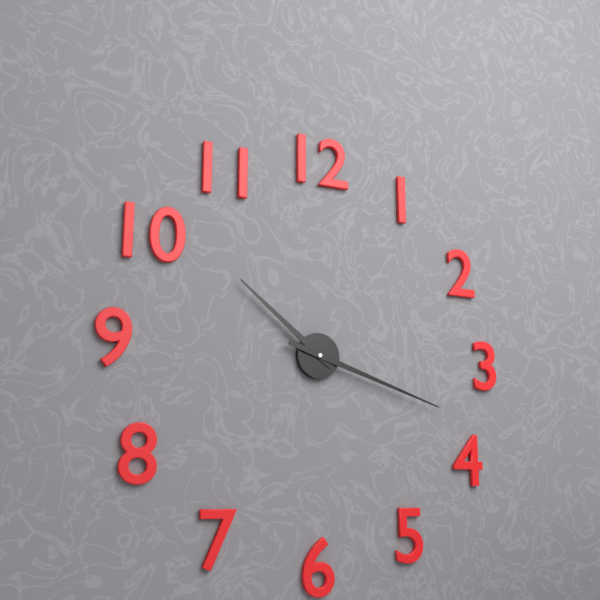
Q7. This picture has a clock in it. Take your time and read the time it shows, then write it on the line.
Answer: 10:18
